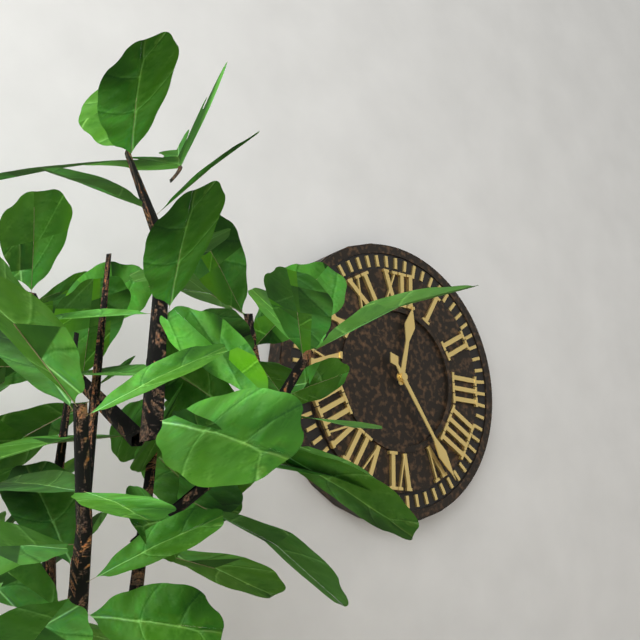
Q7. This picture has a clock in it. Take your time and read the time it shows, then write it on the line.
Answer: 12:24
